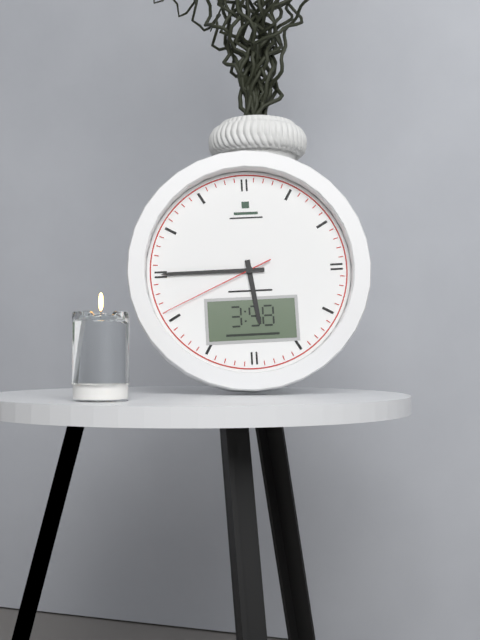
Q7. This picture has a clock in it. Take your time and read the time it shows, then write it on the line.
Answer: 5:45:41
